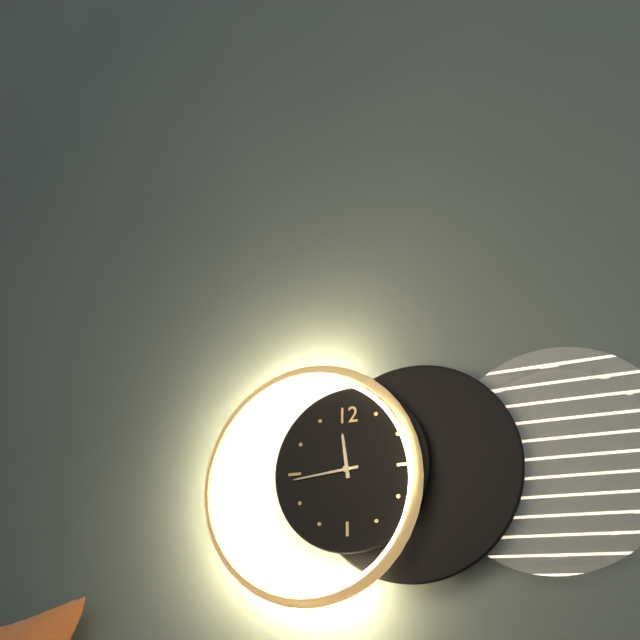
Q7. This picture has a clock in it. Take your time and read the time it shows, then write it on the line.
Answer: 11:44
